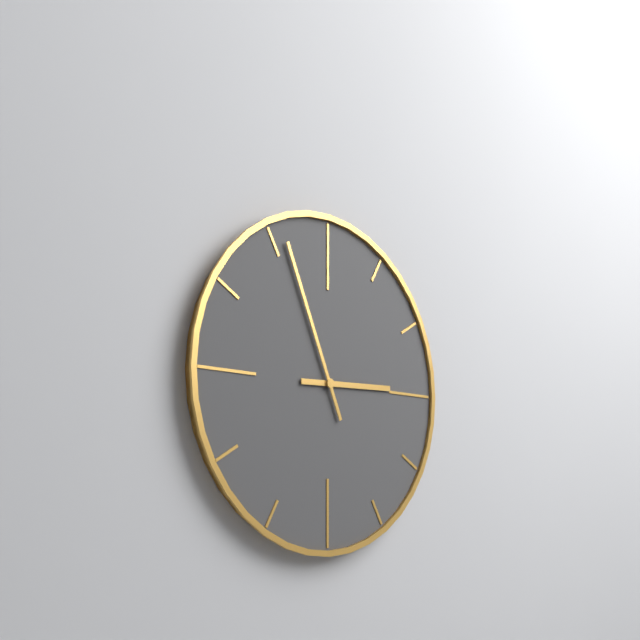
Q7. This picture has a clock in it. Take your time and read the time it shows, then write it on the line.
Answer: 2:56
